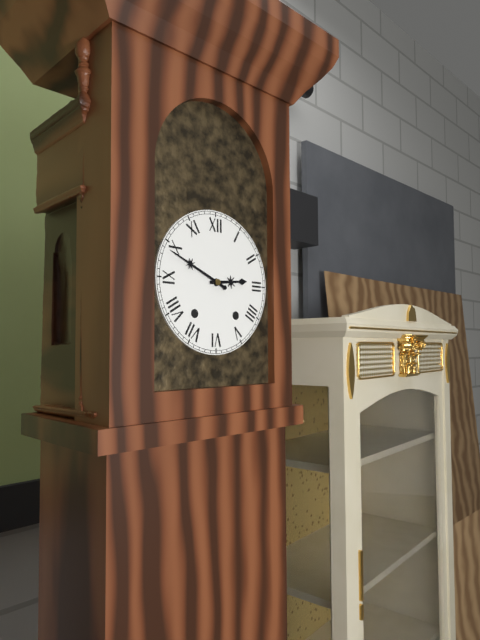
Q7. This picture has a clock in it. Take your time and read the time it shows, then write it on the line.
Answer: 2:49
